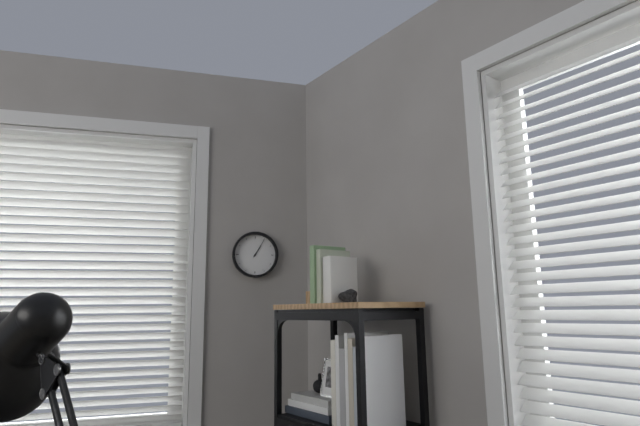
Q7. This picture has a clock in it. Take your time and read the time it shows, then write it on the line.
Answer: 1:05
